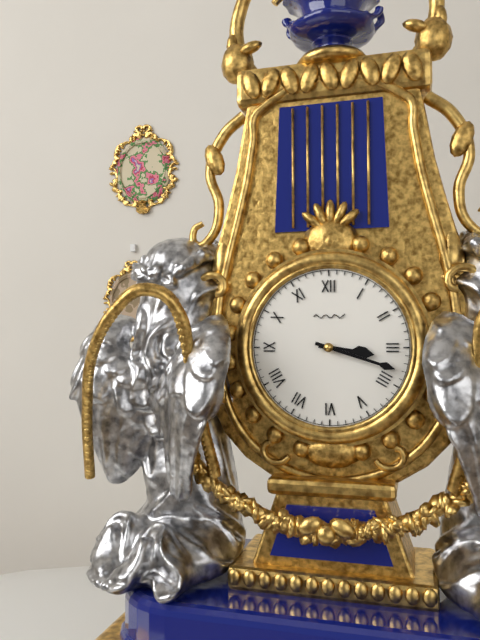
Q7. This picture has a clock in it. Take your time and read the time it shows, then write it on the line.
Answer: 3:18
